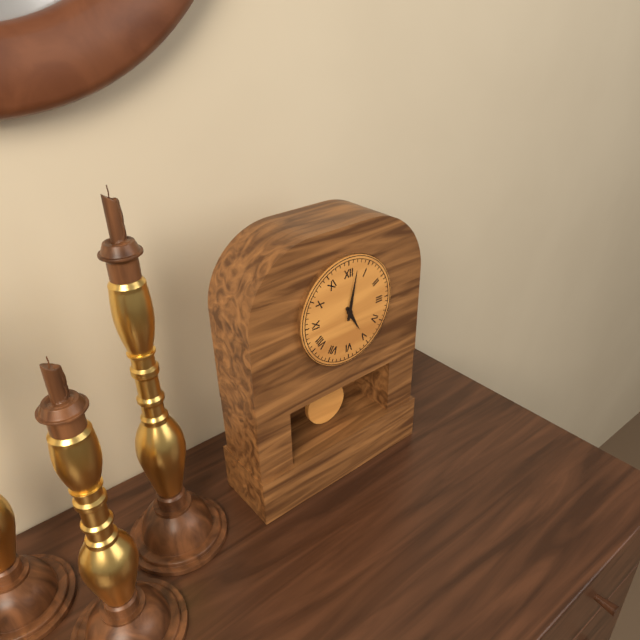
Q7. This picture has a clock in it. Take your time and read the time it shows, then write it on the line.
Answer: 5:02
